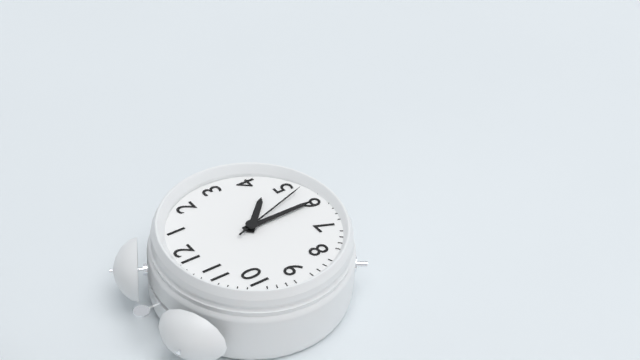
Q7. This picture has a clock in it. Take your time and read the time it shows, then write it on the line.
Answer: 4:30:27
